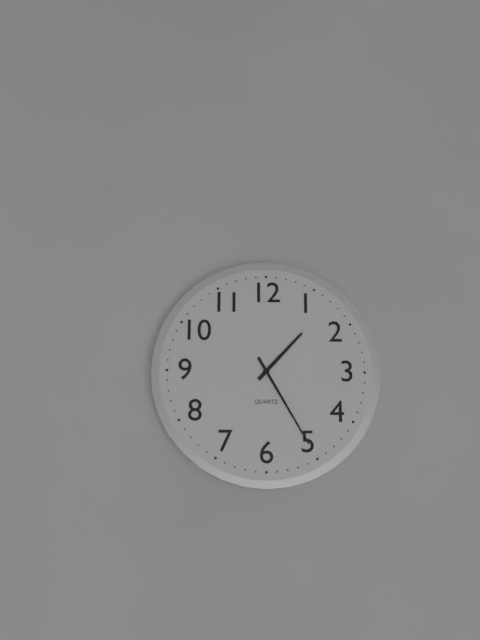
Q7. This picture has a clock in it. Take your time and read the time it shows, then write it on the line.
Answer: 1:25
